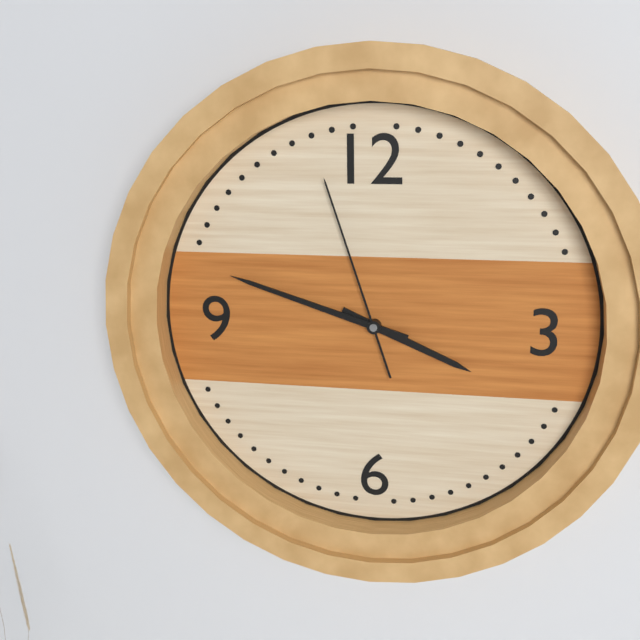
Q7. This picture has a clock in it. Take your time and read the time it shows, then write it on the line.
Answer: 3:48:57
